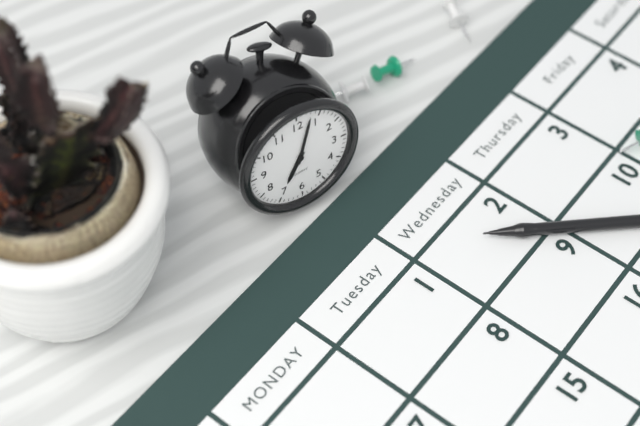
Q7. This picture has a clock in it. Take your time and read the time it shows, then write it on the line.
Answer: 7:03
